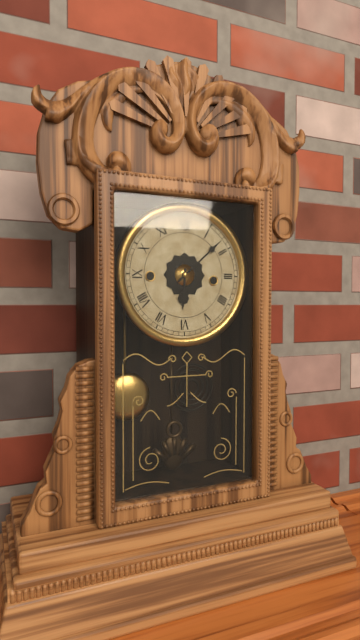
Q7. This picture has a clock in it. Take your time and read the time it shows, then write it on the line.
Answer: 6:08
